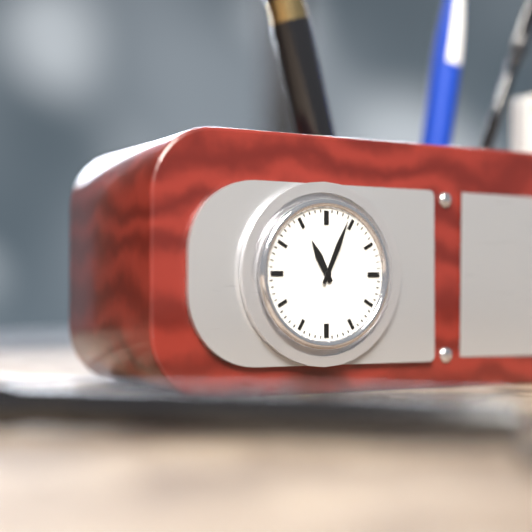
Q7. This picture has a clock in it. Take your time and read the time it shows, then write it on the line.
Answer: 11:04
